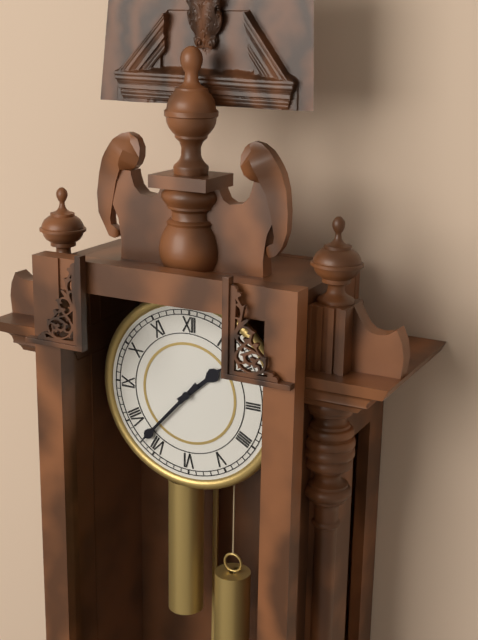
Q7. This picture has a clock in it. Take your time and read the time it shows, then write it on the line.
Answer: 1:37
